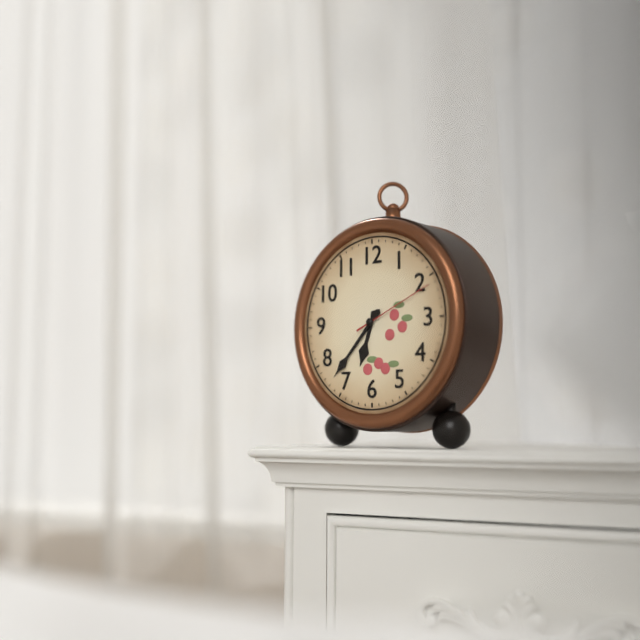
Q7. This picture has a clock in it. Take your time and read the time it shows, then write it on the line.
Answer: 6:37:11
